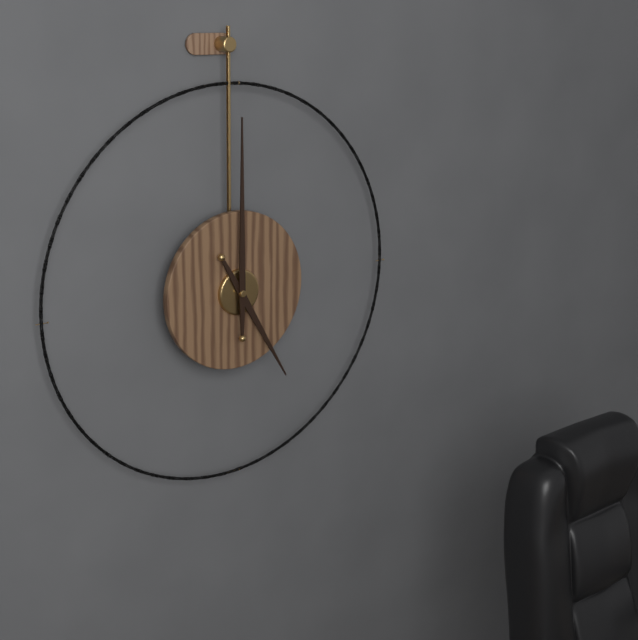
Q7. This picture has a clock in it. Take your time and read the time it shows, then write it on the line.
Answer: 5:00
